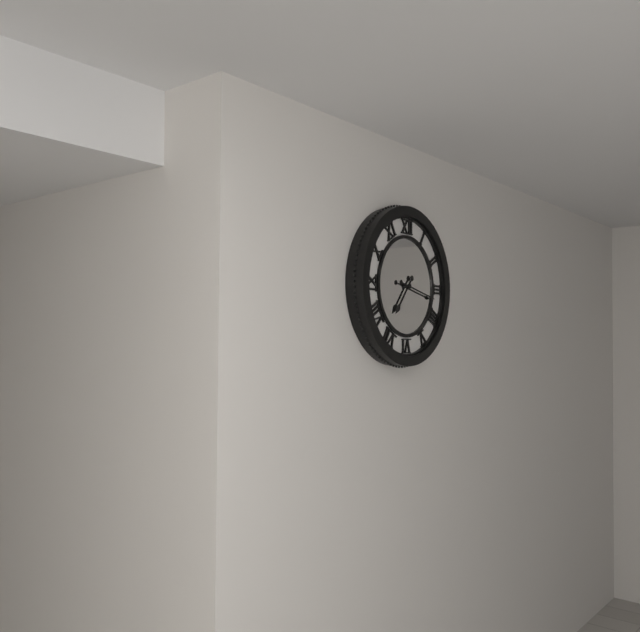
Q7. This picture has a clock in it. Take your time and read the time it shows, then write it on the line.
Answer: 7:17
